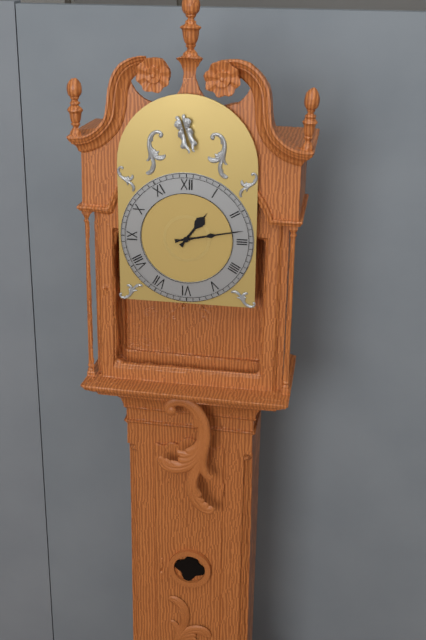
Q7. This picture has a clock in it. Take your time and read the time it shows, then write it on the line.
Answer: 1:13
